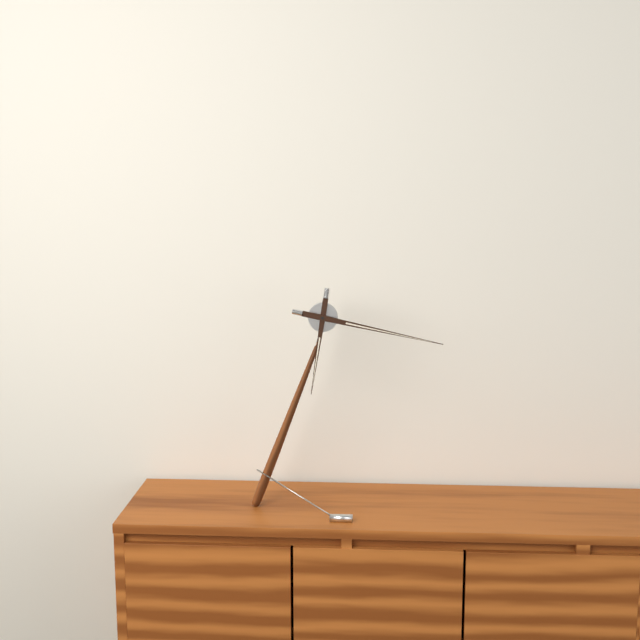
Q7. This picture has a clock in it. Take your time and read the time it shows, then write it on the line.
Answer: 6:17
